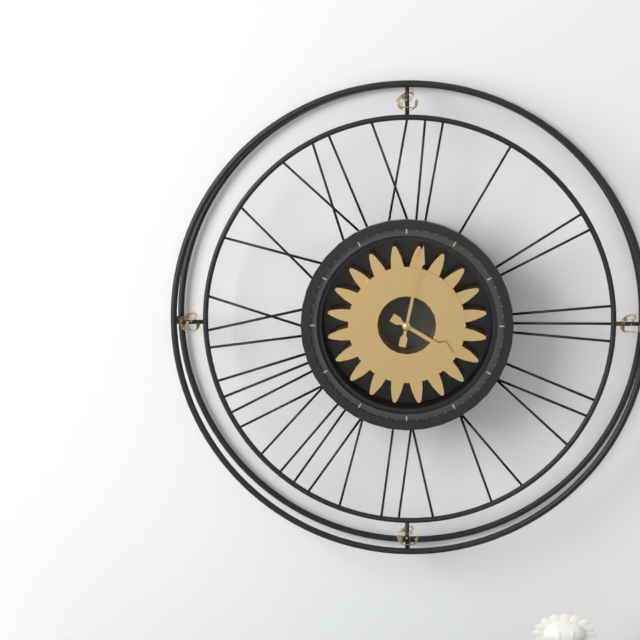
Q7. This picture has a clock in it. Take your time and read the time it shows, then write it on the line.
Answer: 4:02
